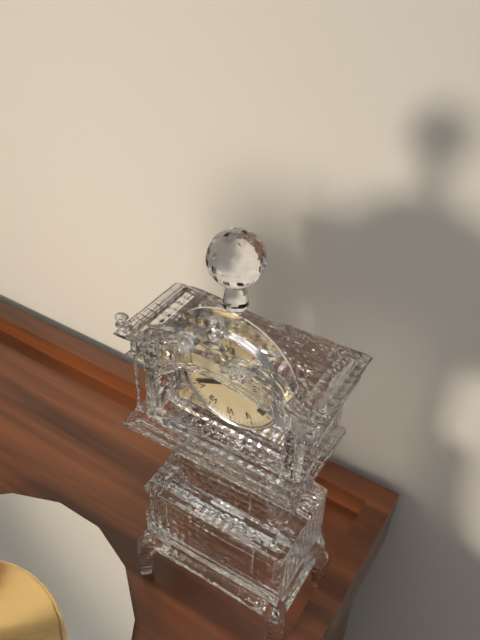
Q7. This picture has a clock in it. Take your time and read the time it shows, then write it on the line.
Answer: 10:41
